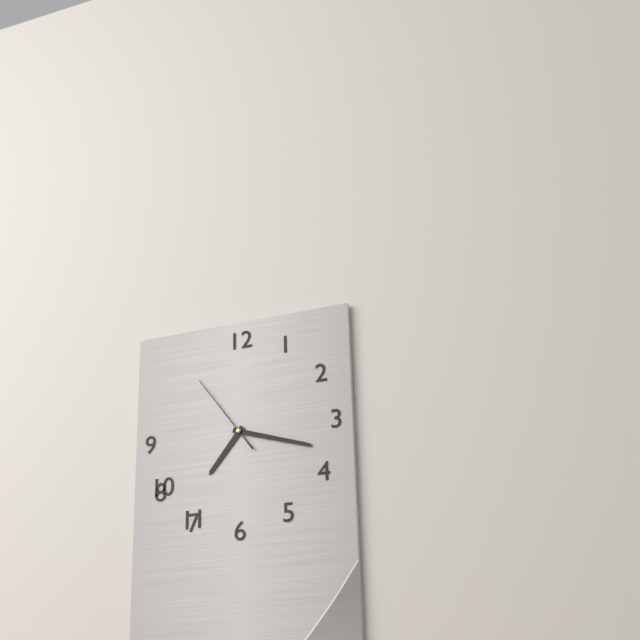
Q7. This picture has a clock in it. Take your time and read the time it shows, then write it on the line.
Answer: 7:18:54
